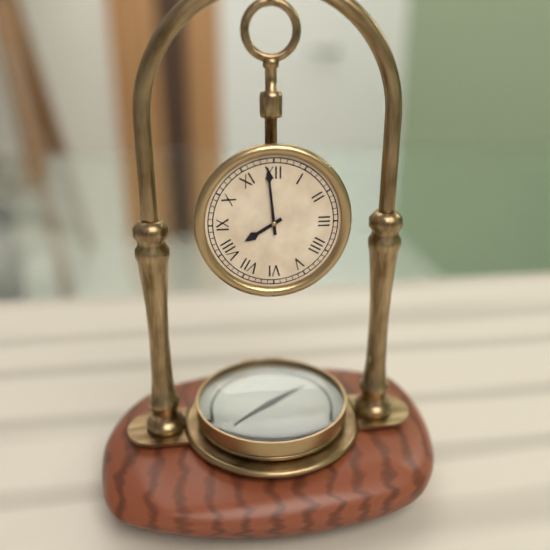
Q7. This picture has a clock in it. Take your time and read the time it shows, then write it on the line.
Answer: 7:59
